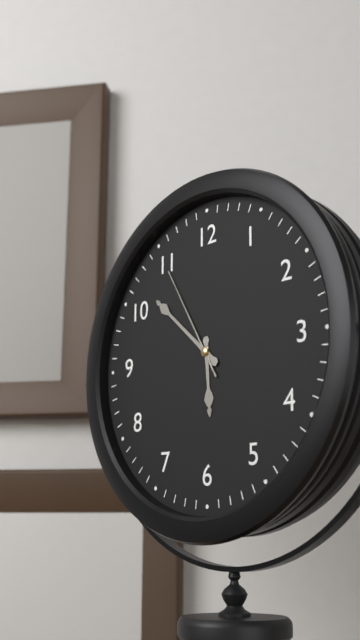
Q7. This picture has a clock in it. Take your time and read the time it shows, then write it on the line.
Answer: 5:52:55
